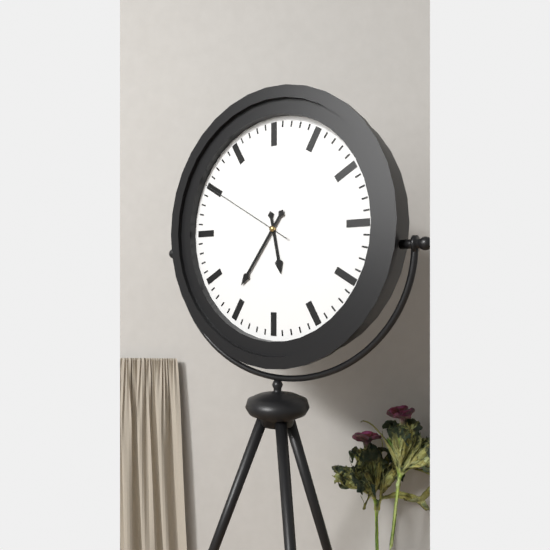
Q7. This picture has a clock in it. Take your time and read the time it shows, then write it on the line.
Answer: 5:36:50
